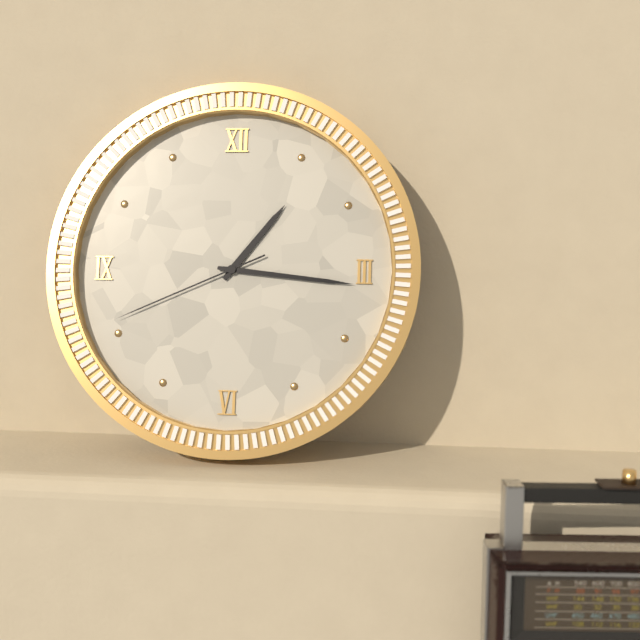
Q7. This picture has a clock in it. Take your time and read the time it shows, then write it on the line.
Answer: 1:16:41
